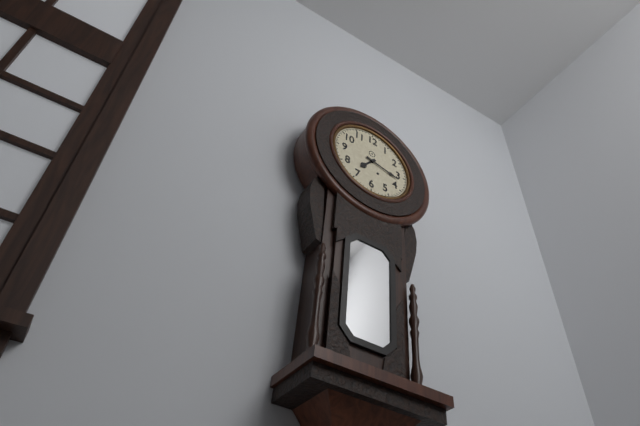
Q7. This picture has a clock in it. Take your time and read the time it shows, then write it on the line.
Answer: 7:17
